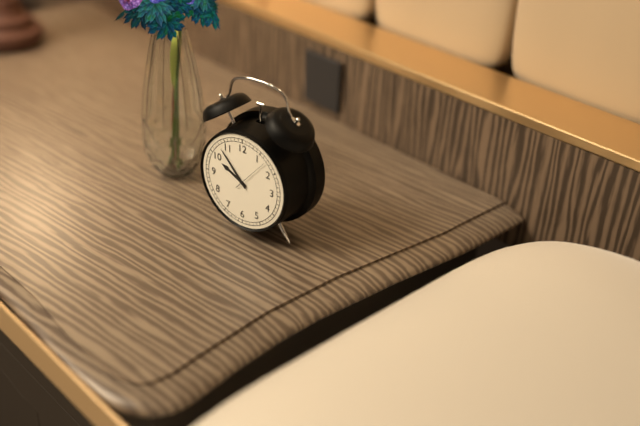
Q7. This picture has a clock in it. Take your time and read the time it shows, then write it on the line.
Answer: 9:53
